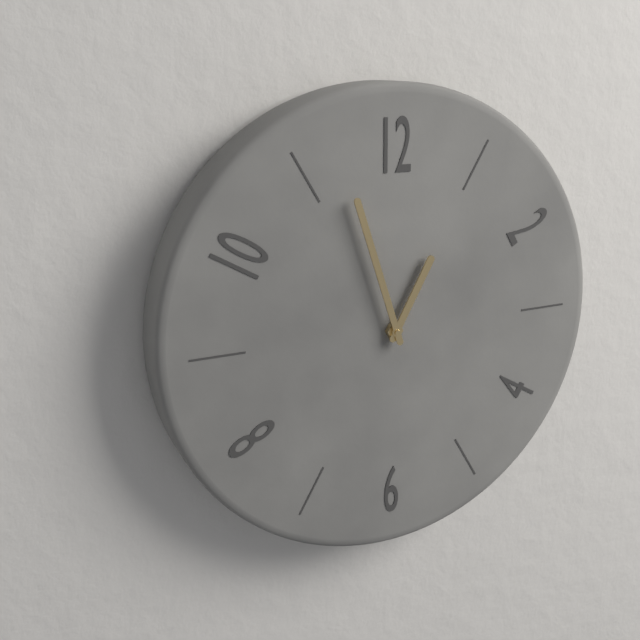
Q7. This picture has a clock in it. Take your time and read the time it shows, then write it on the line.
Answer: 12:57
